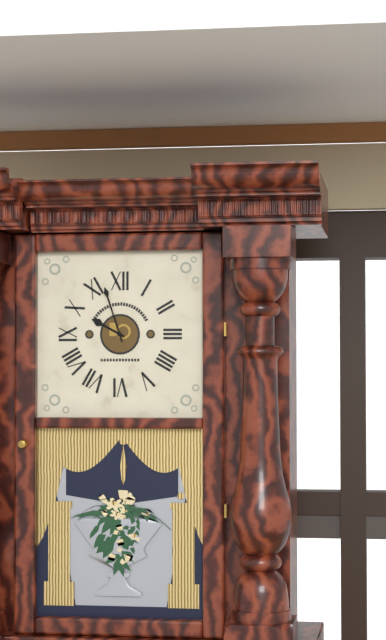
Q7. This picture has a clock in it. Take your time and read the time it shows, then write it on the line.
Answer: 9:57
